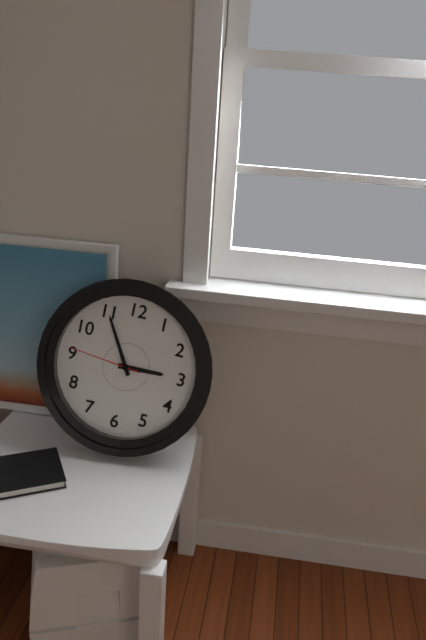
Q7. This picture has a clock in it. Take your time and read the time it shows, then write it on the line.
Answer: 2:55:46
